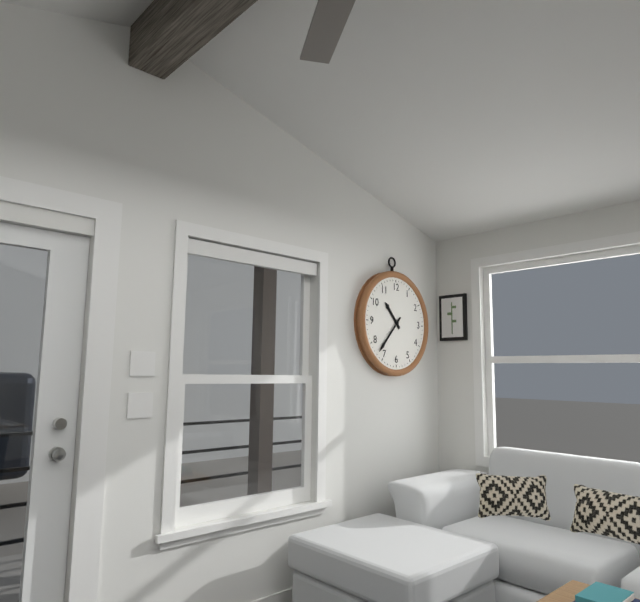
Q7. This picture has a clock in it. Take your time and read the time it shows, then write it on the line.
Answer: 10:37
